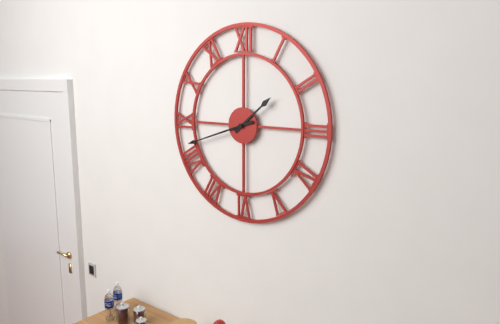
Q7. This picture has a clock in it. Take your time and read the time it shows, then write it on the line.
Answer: 1:42
